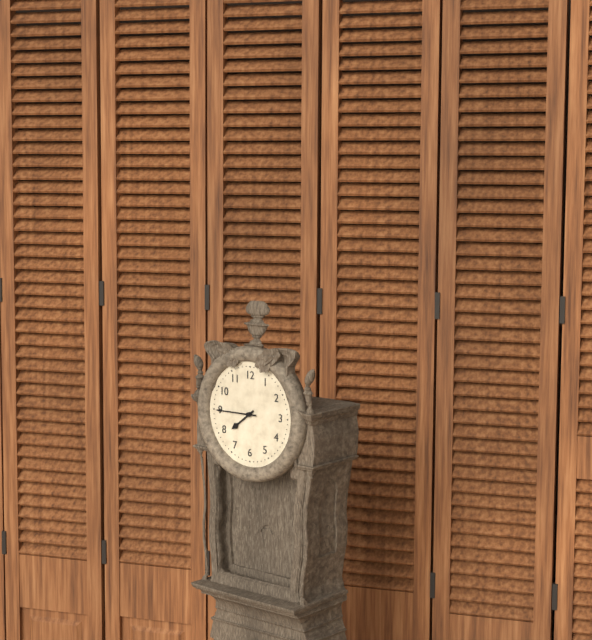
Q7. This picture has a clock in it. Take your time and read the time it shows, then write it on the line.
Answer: 7:45
